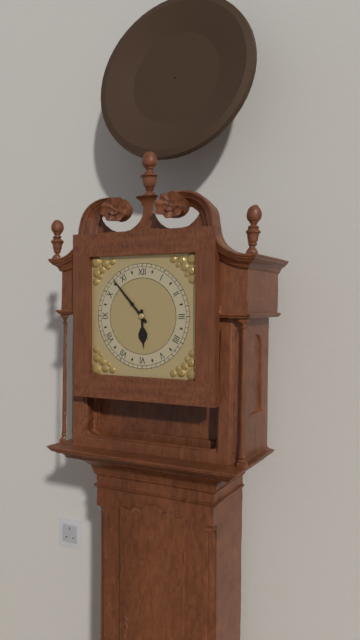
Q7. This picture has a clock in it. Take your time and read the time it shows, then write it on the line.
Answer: 5:53
